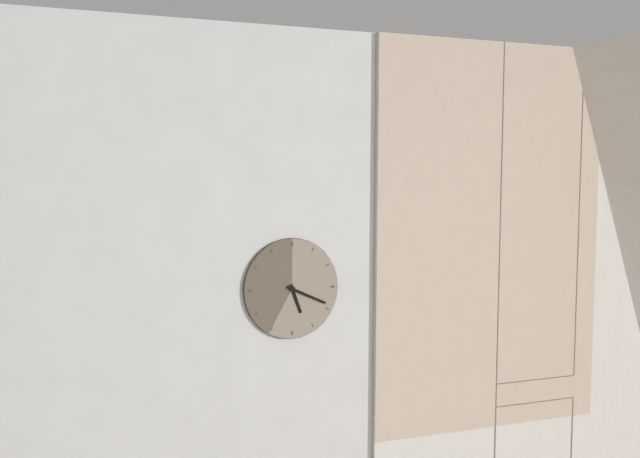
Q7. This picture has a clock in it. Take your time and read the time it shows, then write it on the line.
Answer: 5:19
